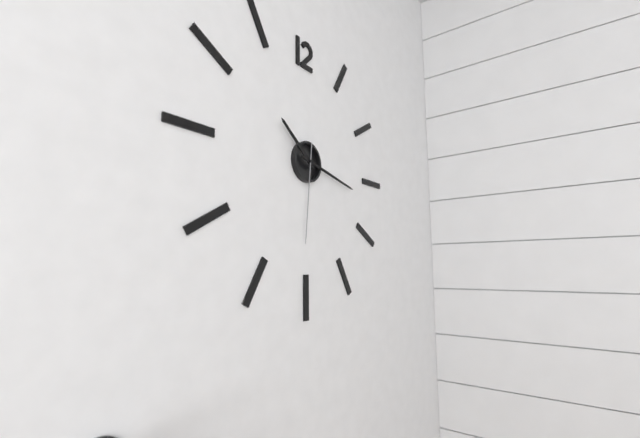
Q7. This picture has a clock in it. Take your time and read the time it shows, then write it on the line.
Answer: 10:17:31
